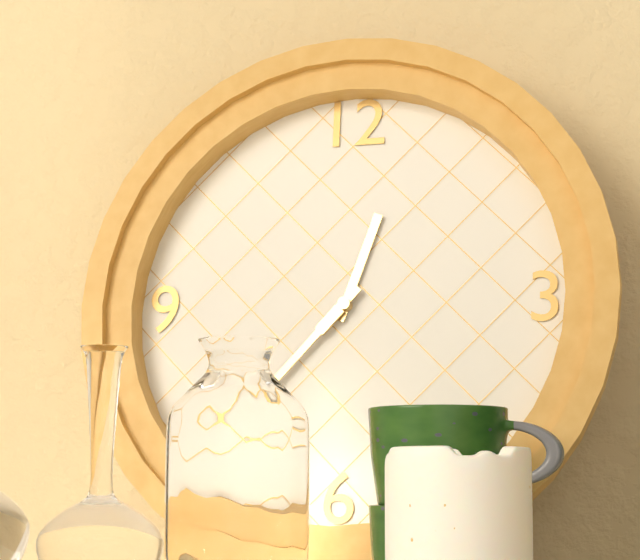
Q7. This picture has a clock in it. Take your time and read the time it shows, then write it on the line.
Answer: 12:37
